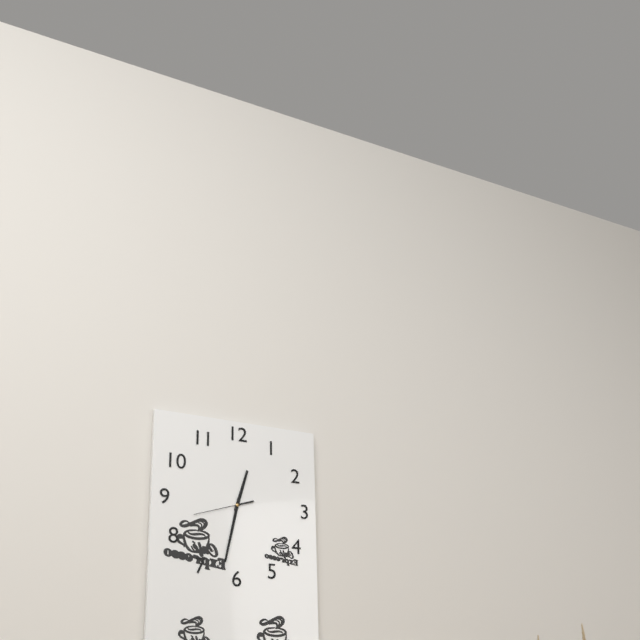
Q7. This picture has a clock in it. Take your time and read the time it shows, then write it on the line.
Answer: 12:32:42
